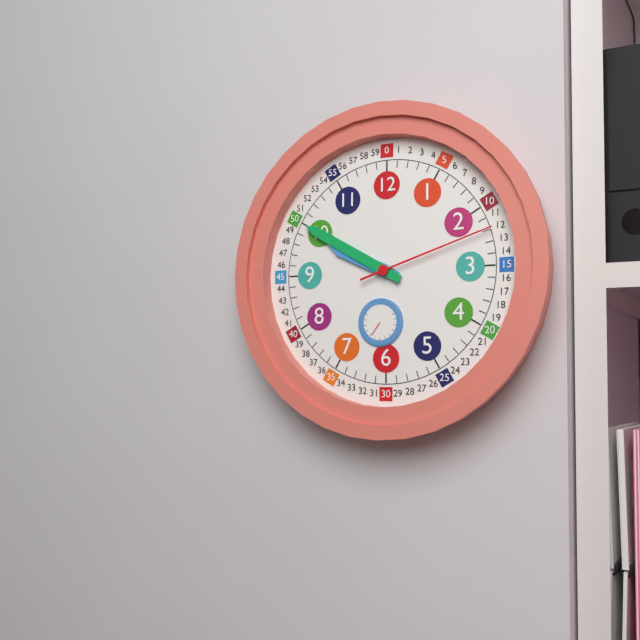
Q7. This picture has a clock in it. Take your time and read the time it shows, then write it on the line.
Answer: 9:50:12
